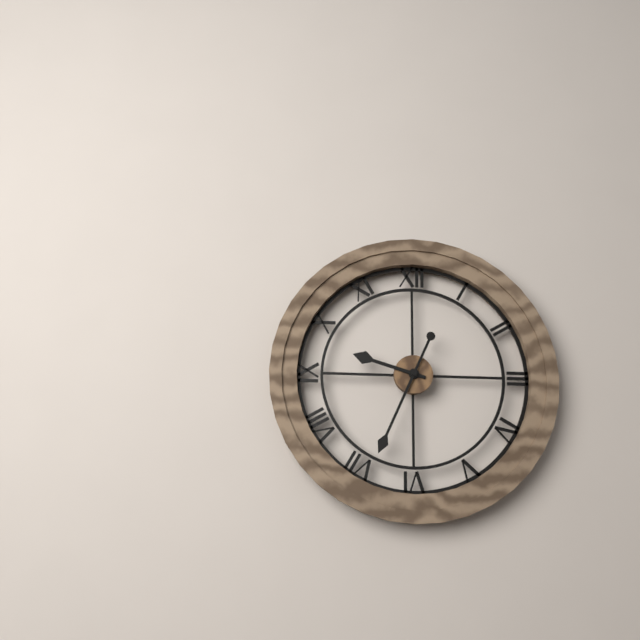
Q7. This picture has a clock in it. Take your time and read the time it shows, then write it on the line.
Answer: 9:34
